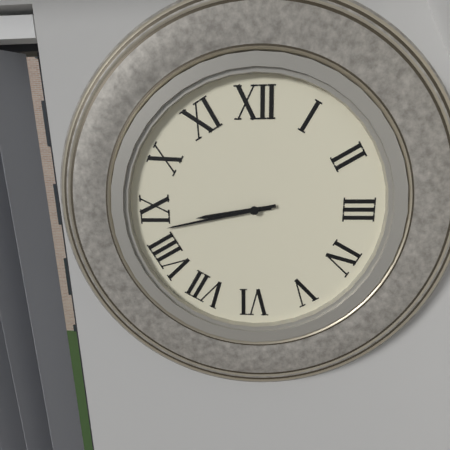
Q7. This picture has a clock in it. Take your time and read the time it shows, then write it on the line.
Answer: 8:43
